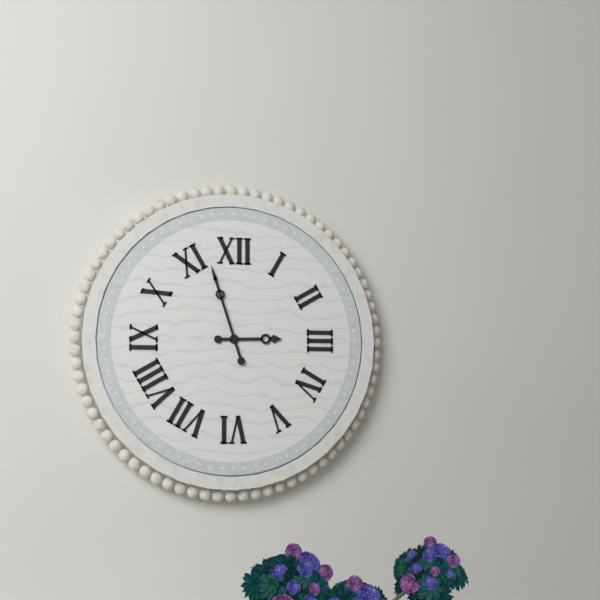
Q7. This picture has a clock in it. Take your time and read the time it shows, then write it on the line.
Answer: 2:57
